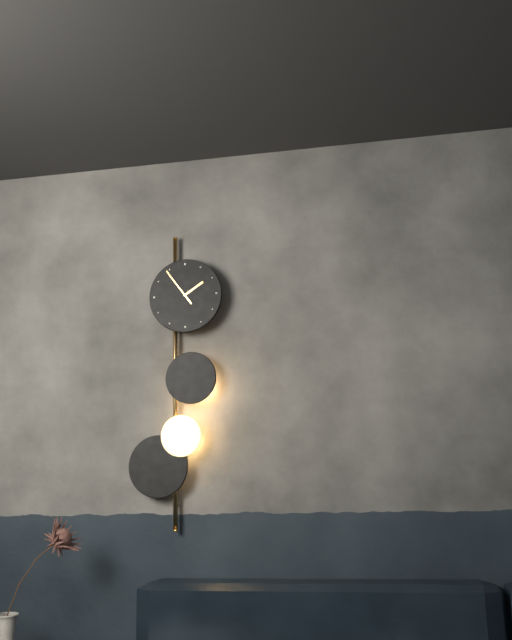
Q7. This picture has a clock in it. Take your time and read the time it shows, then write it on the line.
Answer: 1:54
